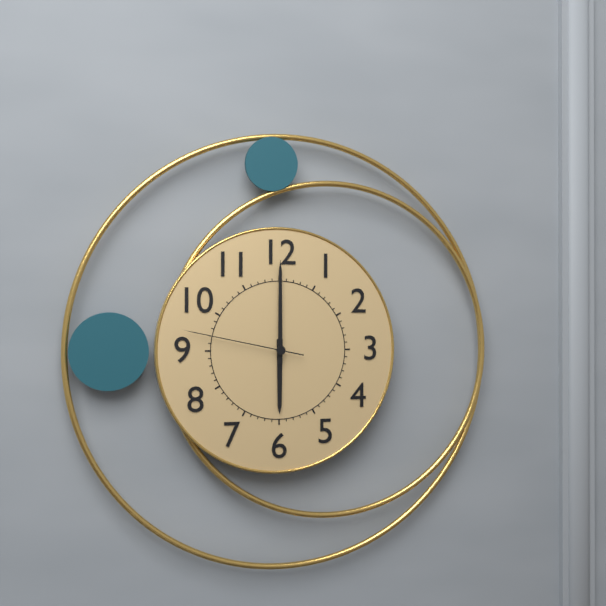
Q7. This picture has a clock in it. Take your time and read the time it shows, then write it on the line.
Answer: 6:00:47
